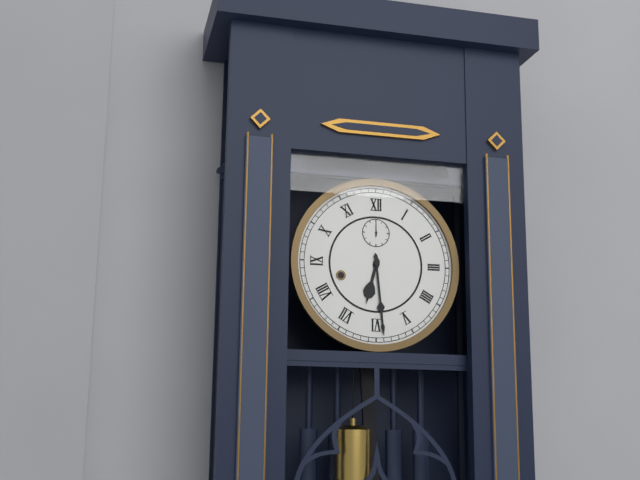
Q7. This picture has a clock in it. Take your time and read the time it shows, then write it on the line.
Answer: 6:29
